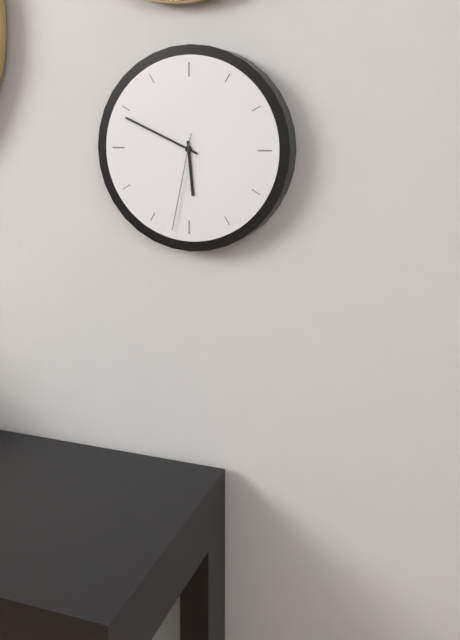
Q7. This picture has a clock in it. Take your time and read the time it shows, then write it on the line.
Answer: 5:49:32
